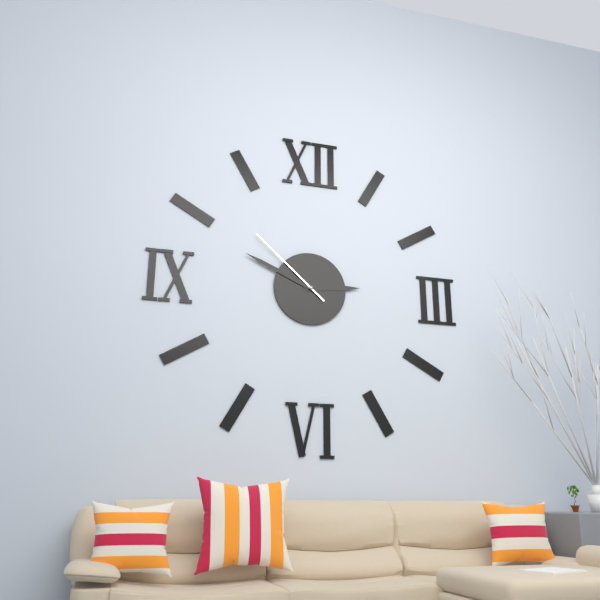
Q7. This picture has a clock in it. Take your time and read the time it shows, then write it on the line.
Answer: 2:49:52
